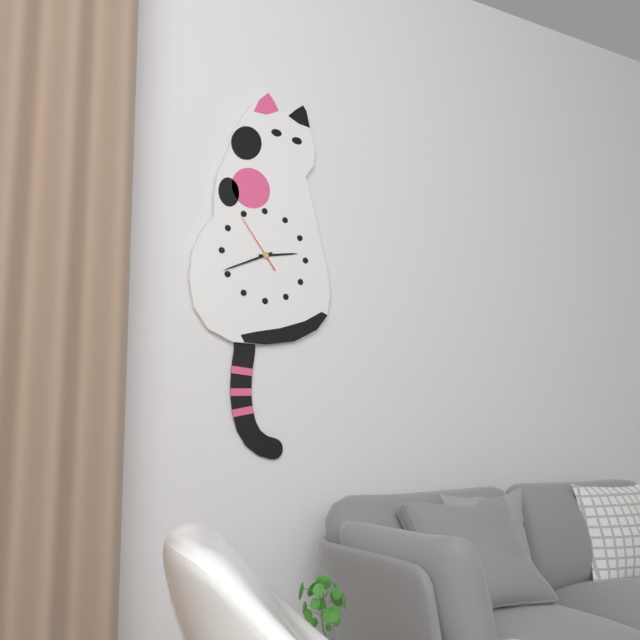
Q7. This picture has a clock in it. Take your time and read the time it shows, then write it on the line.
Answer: 2:41:54
